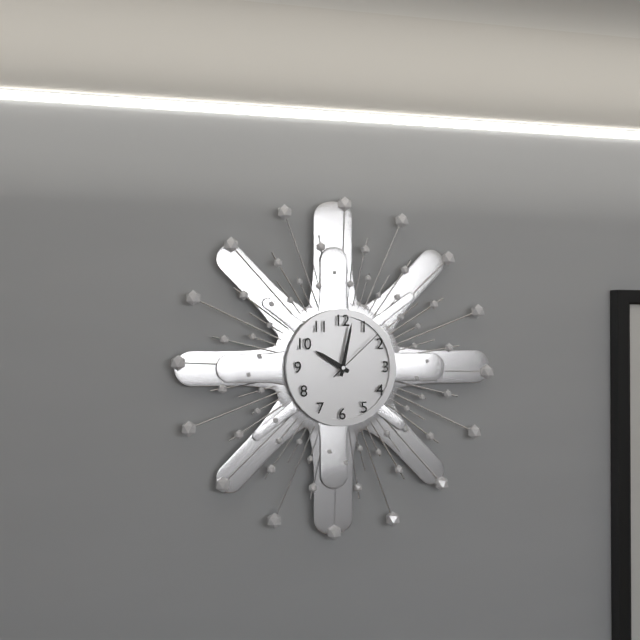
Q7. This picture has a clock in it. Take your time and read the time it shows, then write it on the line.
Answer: 10:02:08
